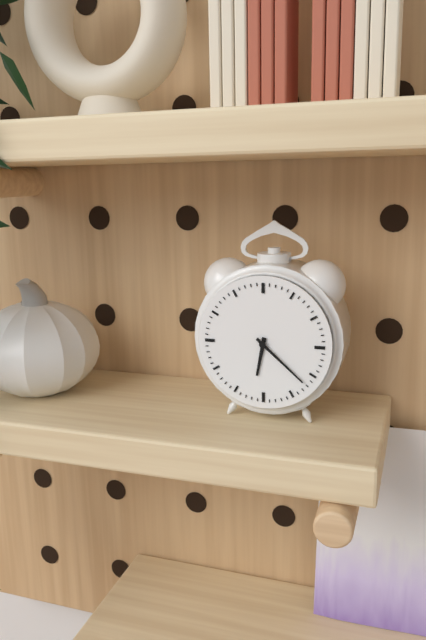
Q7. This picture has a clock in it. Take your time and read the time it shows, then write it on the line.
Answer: 6:22
